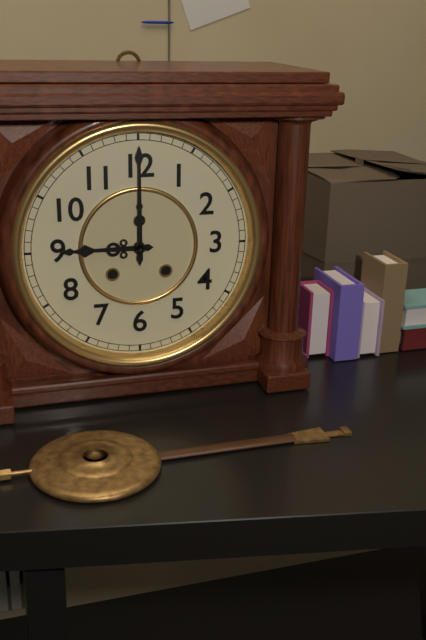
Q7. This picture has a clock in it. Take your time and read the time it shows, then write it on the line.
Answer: 9:00
